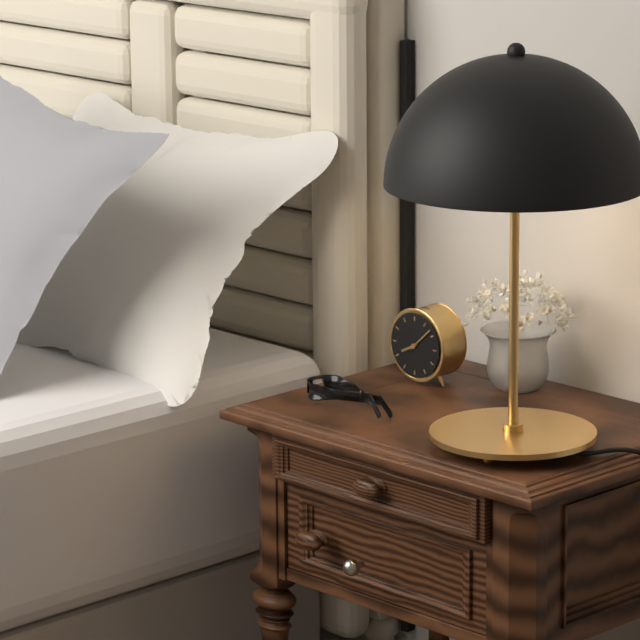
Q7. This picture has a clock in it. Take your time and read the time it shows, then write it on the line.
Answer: 8:08
